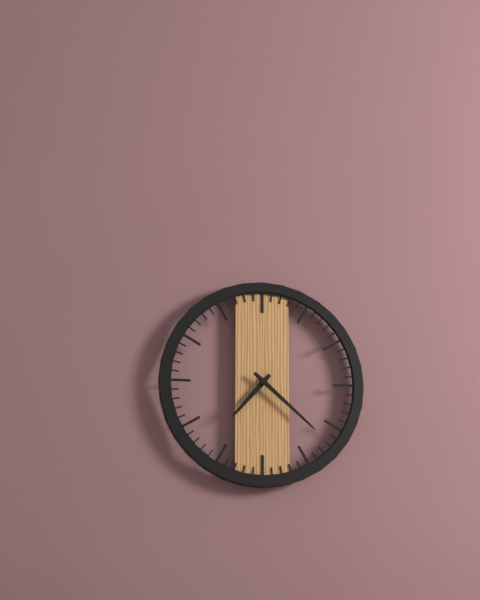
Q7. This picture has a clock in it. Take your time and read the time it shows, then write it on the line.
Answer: 7:22
